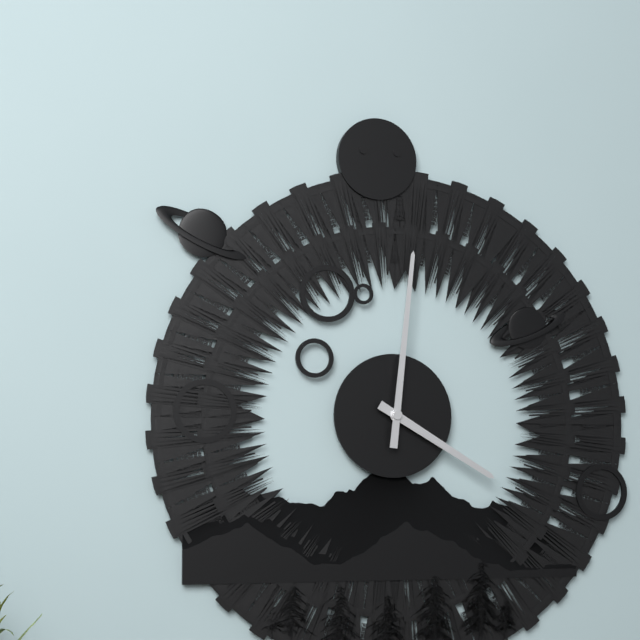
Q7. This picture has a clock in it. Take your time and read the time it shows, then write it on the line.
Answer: 4:01
